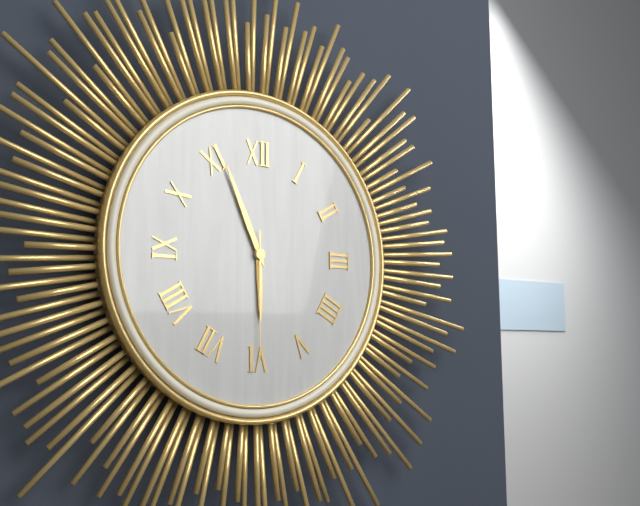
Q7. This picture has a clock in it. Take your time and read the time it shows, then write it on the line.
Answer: 5:56:30
